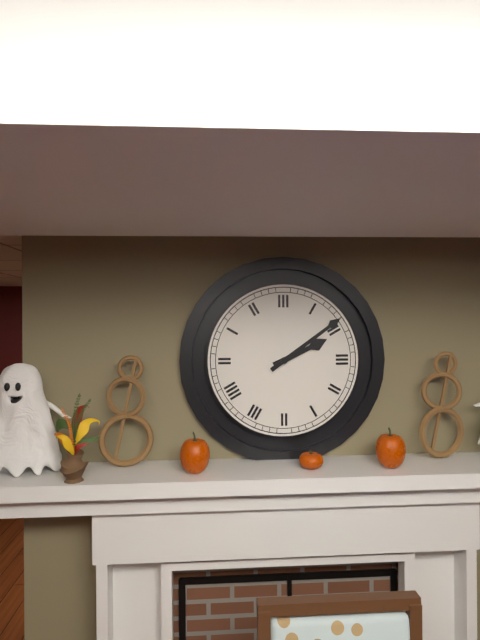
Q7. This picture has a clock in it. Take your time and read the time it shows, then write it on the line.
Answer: 2:09
